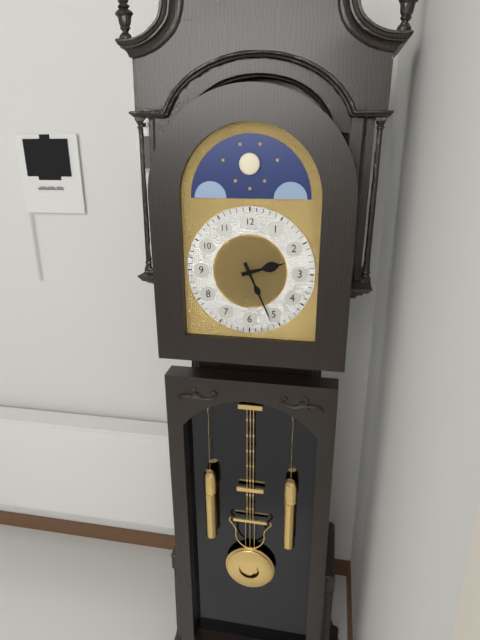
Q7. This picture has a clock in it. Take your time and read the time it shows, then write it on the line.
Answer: 2:26
